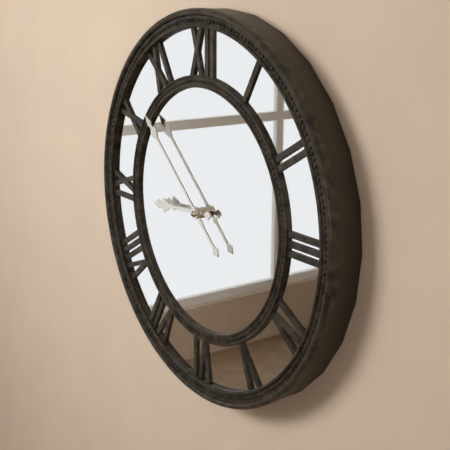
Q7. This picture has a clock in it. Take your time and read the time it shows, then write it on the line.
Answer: 8:52
